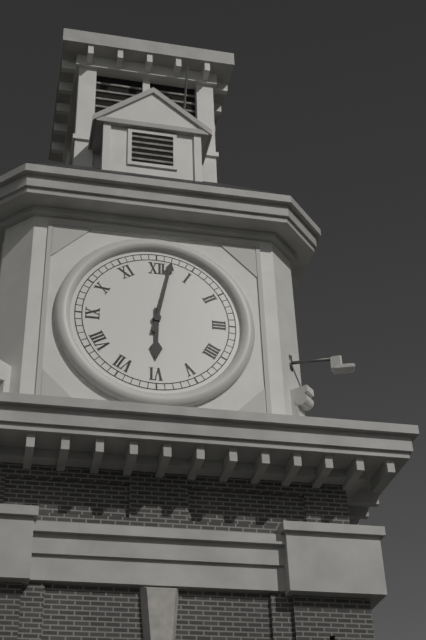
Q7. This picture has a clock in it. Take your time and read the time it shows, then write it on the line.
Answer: 6:02
